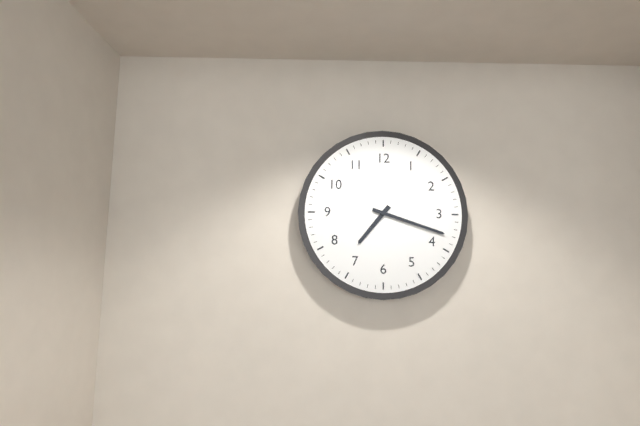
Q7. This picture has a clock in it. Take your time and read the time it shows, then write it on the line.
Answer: 7:18
